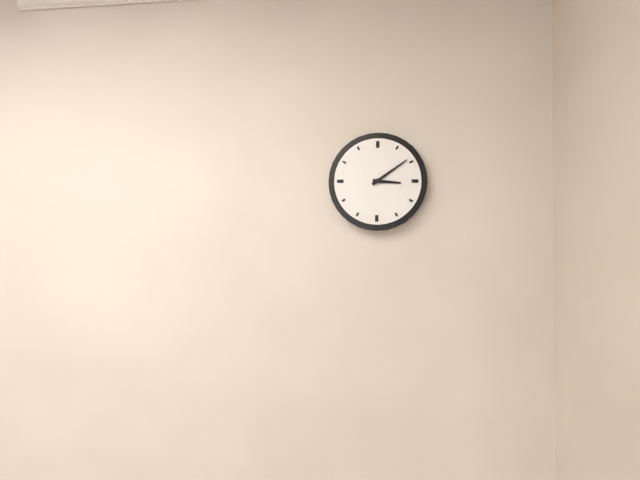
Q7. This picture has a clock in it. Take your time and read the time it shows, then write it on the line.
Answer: 3:09
